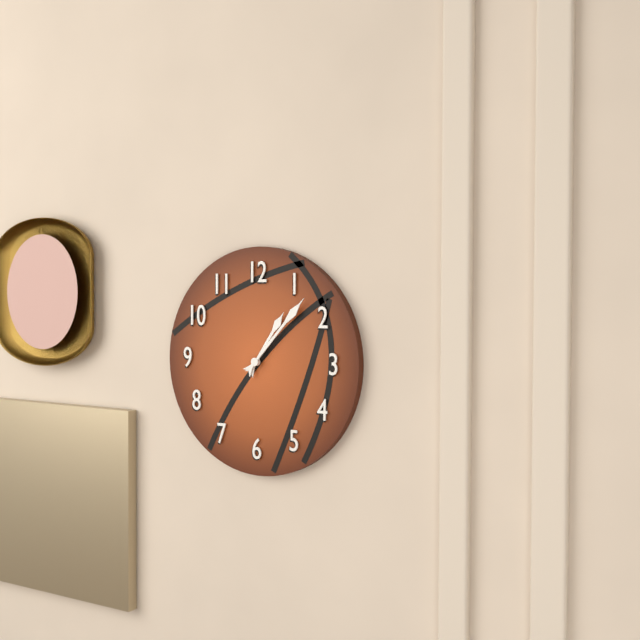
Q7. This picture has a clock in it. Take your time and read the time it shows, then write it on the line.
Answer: 1:07
